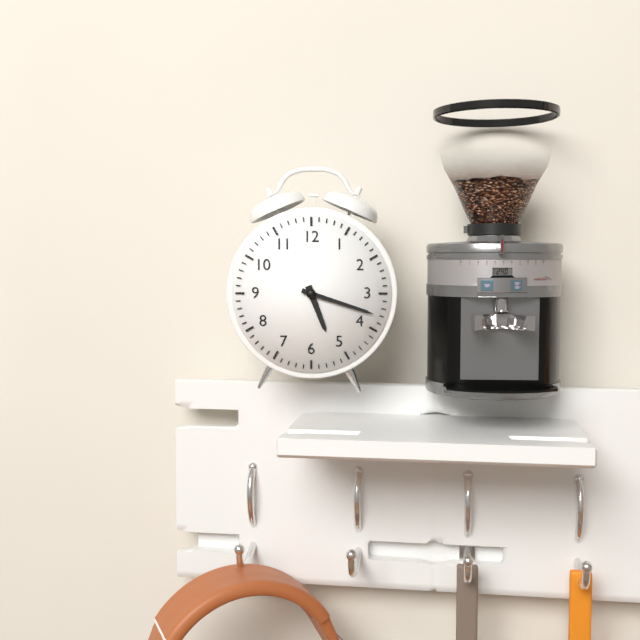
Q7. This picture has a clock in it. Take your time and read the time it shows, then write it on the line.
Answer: 5:18
